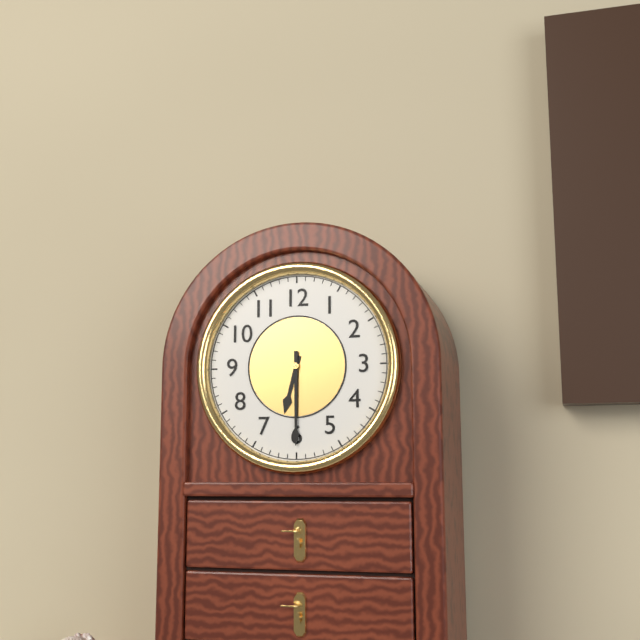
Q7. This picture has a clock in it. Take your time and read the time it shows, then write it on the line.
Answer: 6:30
